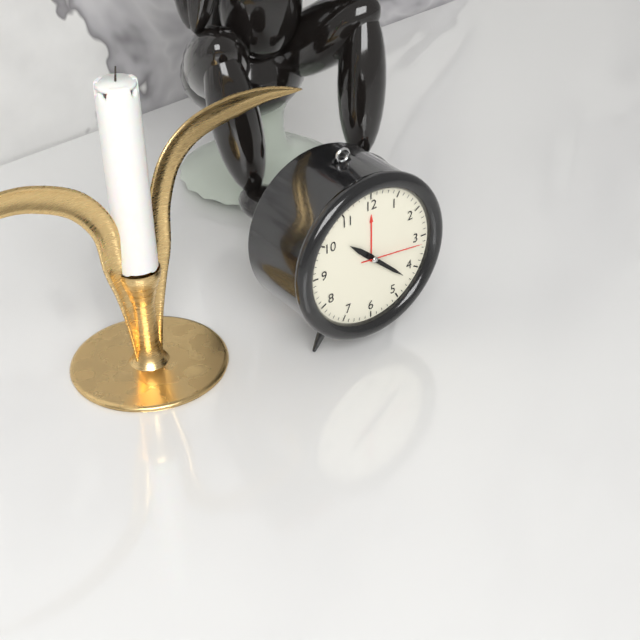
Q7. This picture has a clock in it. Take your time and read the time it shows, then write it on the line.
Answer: 10:22:16
